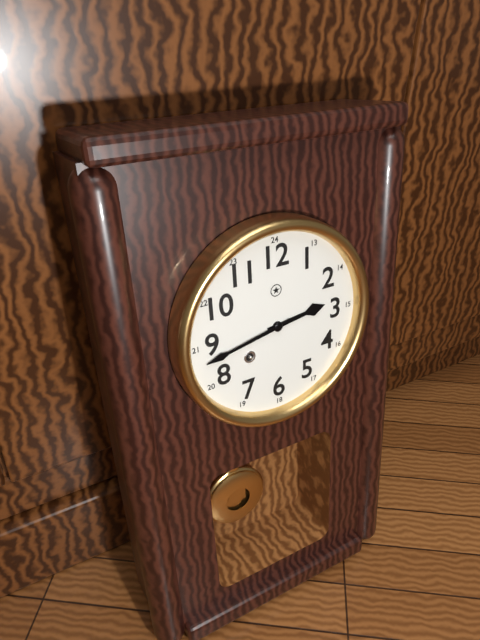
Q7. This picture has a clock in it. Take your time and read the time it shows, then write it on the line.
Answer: 2:43
